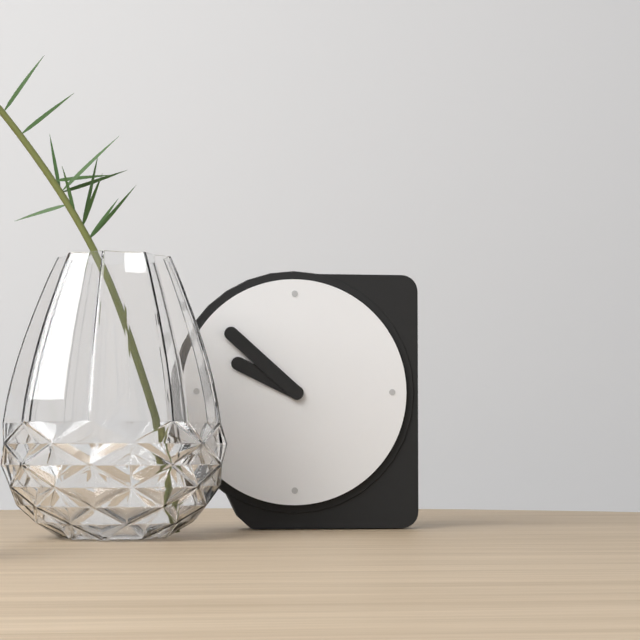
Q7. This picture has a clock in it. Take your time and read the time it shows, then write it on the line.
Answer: 9:52
